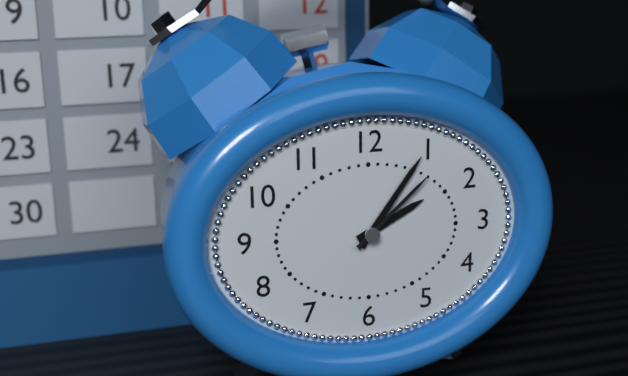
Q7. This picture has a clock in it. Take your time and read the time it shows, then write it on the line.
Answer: 2:06:08
